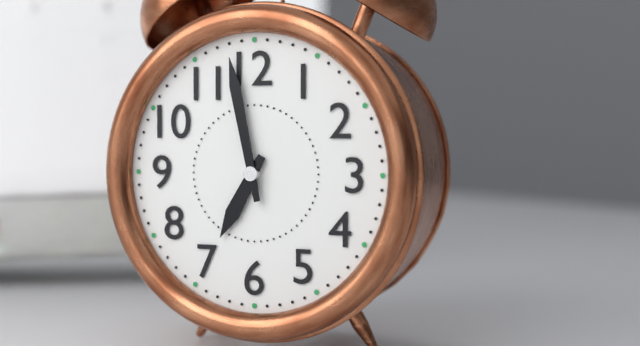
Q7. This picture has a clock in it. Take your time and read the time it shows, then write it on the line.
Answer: 6:58
